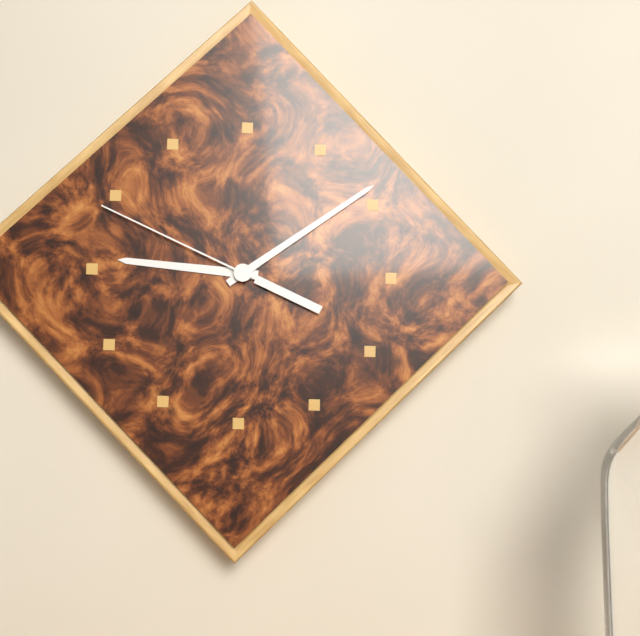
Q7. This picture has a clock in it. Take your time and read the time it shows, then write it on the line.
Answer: 9:09:49
